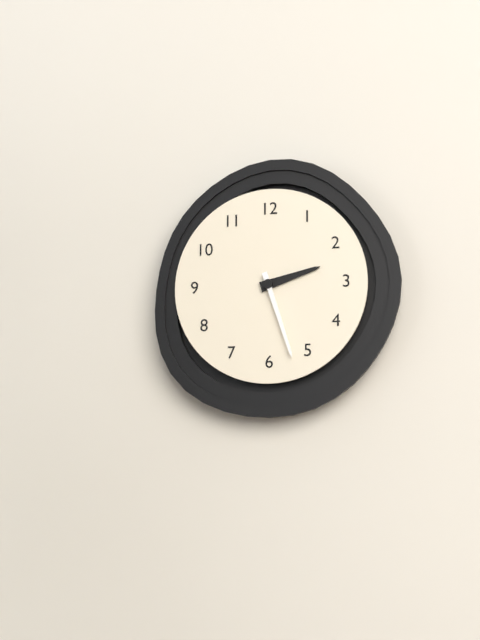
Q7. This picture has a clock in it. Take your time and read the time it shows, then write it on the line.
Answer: 2:27
